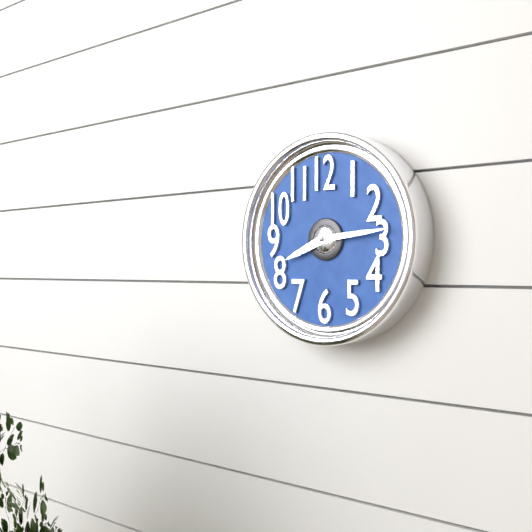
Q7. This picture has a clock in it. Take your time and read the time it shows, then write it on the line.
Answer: 8:14
